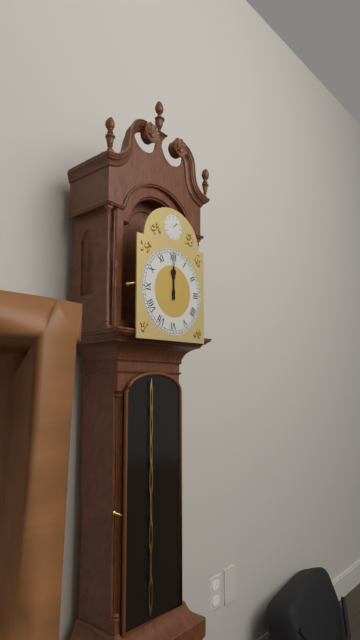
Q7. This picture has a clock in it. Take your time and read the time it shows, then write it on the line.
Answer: 12:00
